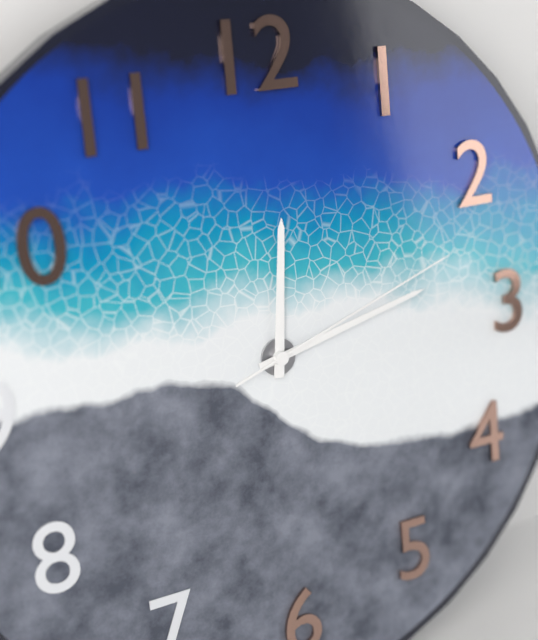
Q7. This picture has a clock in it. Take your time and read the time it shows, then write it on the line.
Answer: 12:13:12
